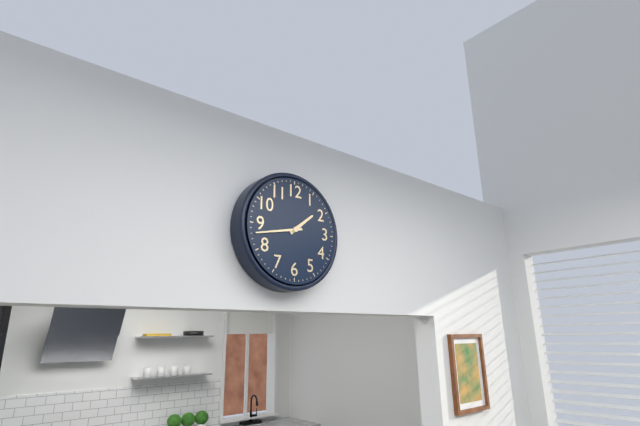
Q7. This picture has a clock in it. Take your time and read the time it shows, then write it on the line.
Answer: 1:43
